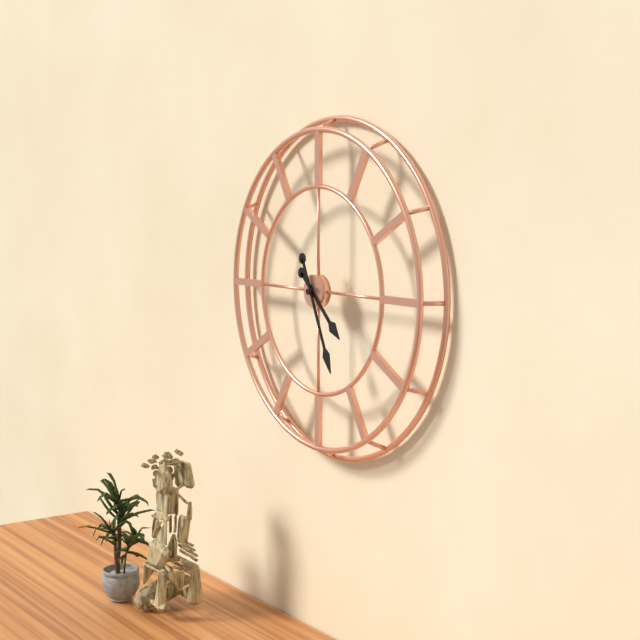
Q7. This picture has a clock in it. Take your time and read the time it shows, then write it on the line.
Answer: 4:26
